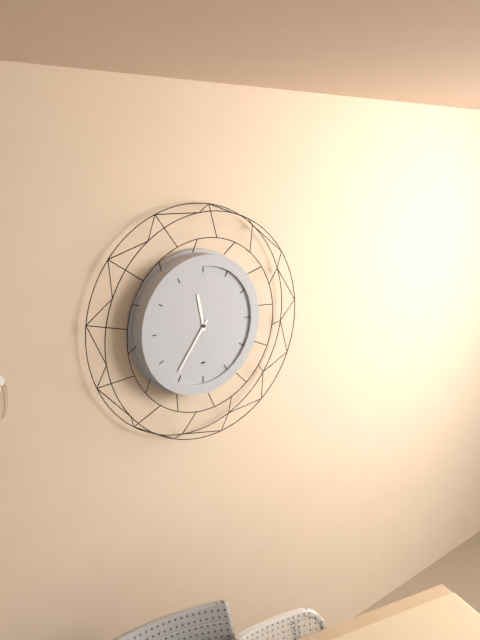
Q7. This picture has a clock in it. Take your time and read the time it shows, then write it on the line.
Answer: 11:36
